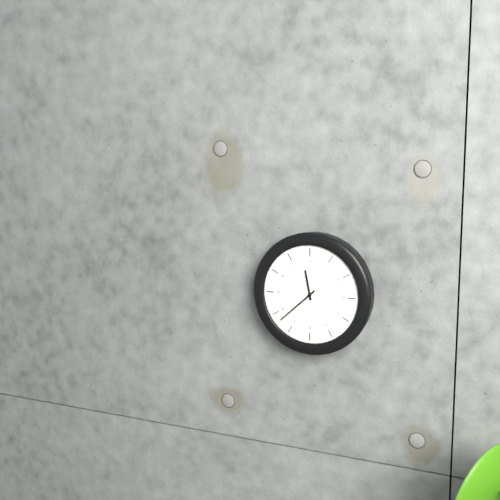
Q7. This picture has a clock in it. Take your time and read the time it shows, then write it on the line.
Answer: 11:38
